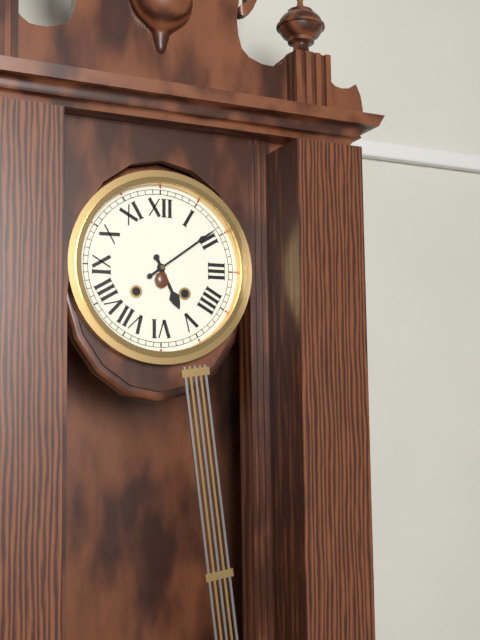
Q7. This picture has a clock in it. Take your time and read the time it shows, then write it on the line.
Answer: 5:09
